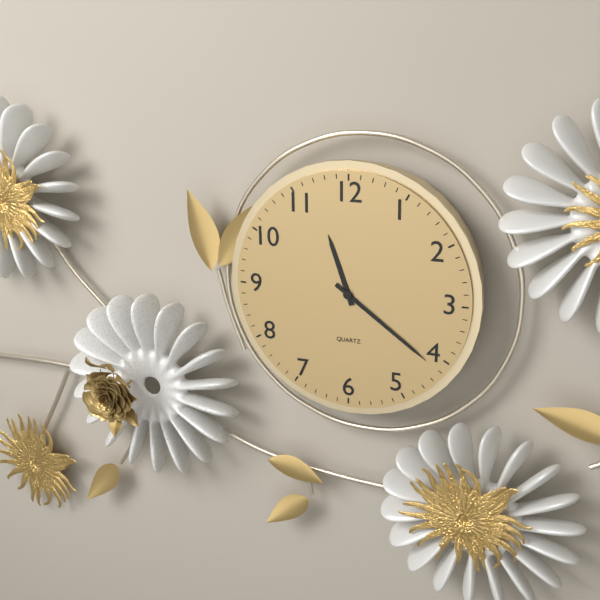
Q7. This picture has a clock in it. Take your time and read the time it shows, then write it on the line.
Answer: 11:21
